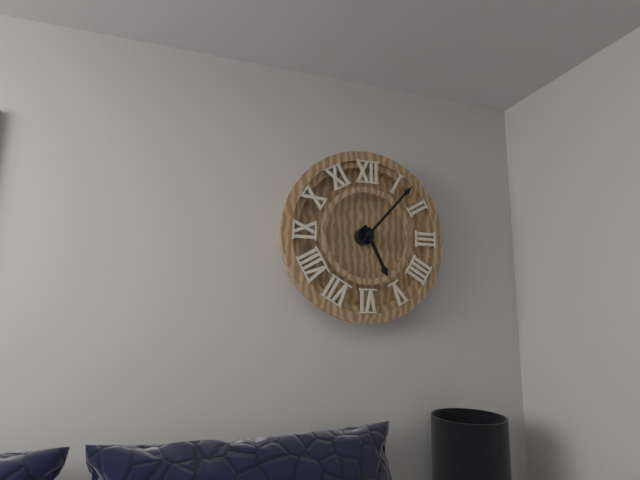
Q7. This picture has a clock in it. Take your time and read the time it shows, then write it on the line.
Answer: 5:07
